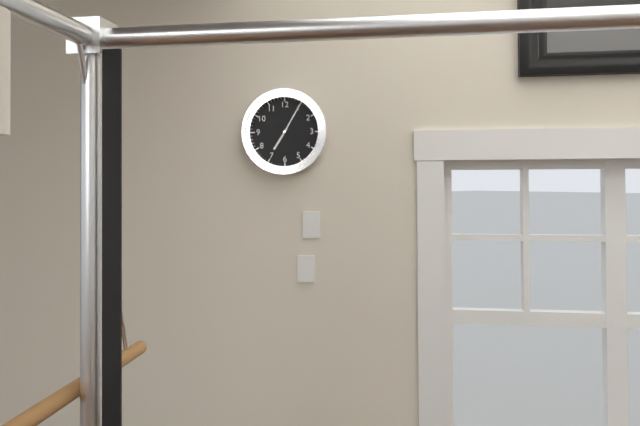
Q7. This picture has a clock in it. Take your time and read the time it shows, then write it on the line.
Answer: 7:05
